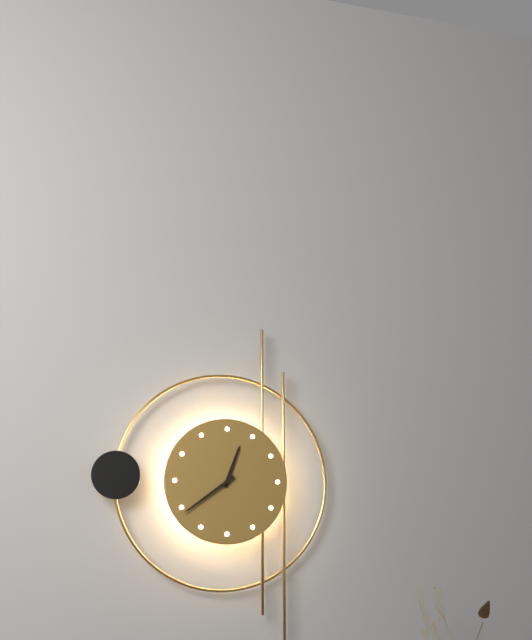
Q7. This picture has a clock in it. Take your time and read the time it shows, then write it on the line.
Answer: 12:39
